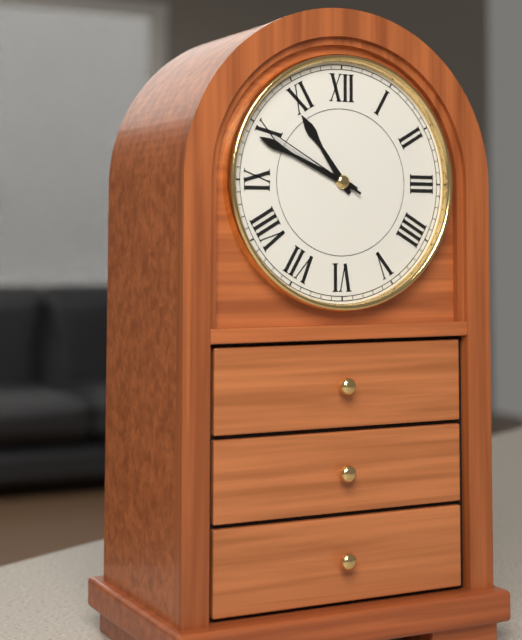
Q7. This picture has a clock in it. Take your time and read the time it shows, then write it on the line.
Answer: 10:49:50
